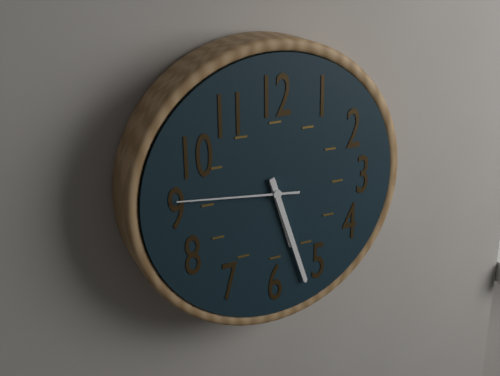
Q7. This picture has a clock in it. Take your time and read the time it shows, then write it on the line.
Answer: 5:27:46
